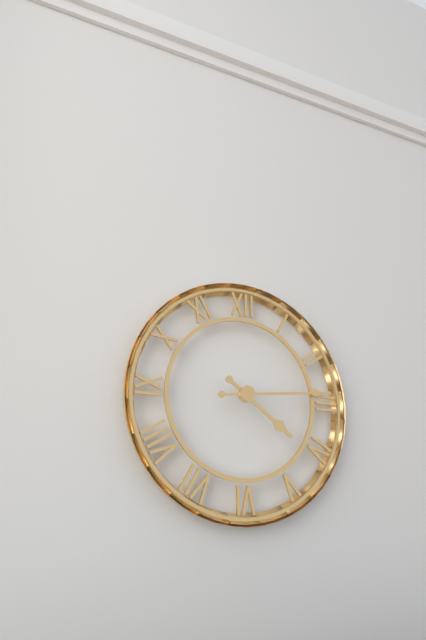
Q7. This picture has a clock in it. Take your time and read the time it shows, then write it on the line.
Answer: 4:14
